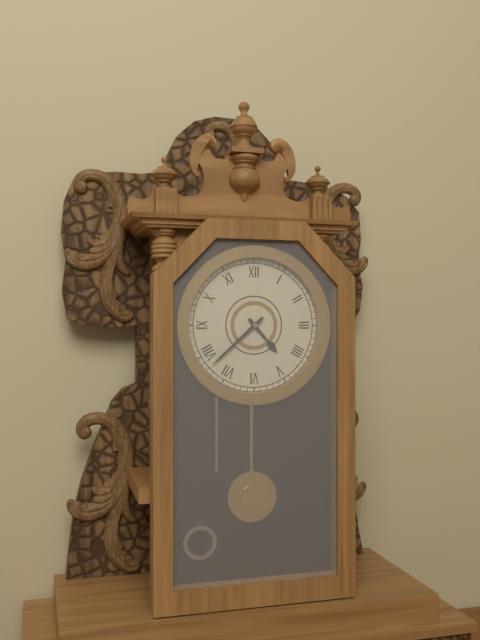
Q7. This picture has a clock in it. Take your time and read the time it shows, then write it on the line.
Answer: 4:38
